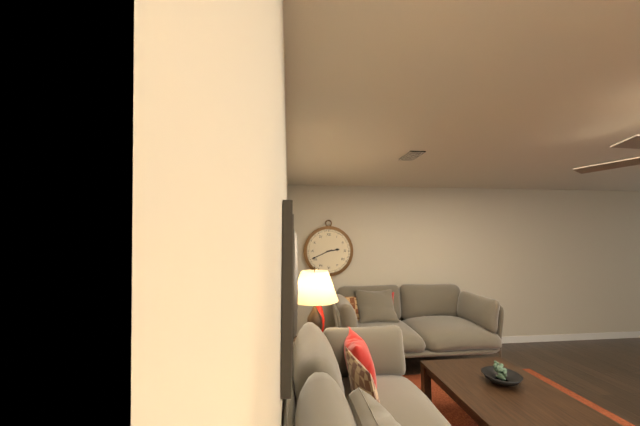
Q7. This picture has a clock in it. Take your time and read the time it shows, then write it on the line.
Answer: 2:41
